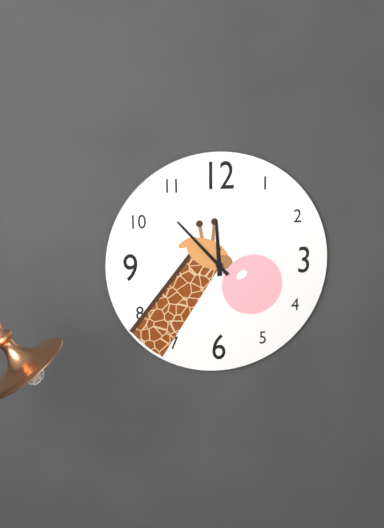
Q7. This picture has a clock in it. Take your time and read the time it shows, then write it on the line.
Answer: 11:53
